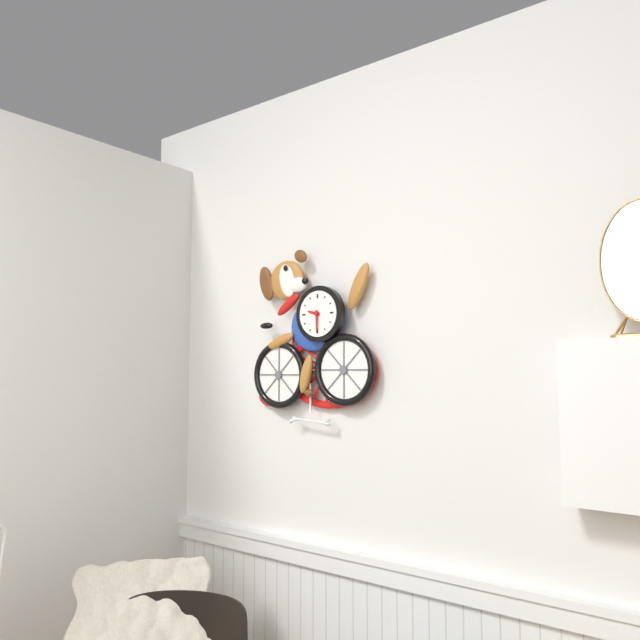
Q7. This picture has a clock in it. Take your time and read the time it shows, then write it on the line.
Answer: 9:30
